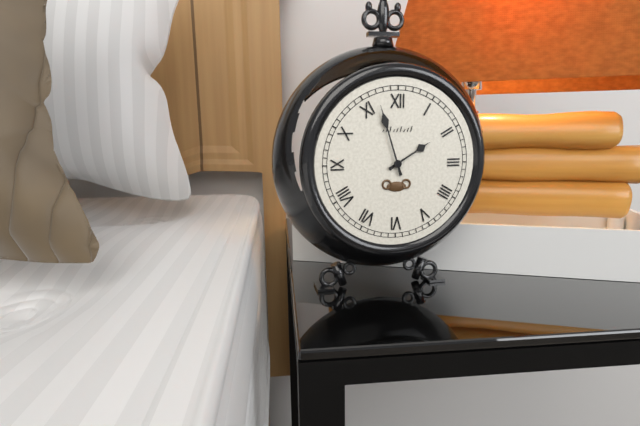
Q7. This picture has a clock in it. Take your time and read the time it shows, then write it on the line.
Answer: 1:57
